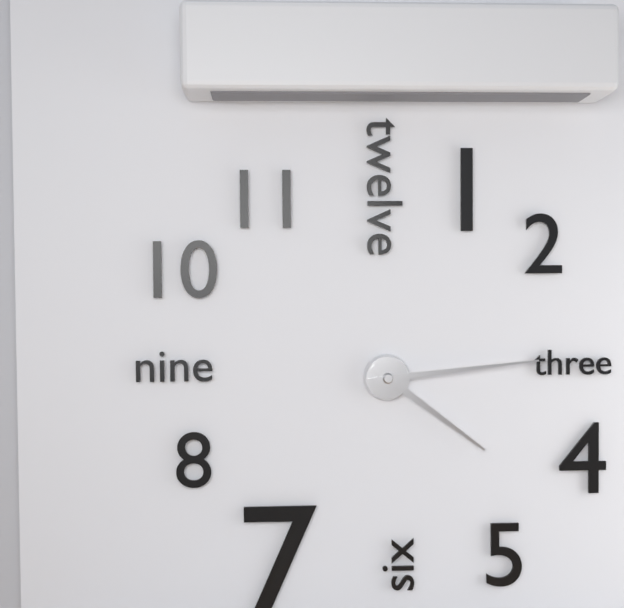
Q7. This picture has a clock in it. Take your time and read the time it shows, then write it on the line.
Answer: 4:14
